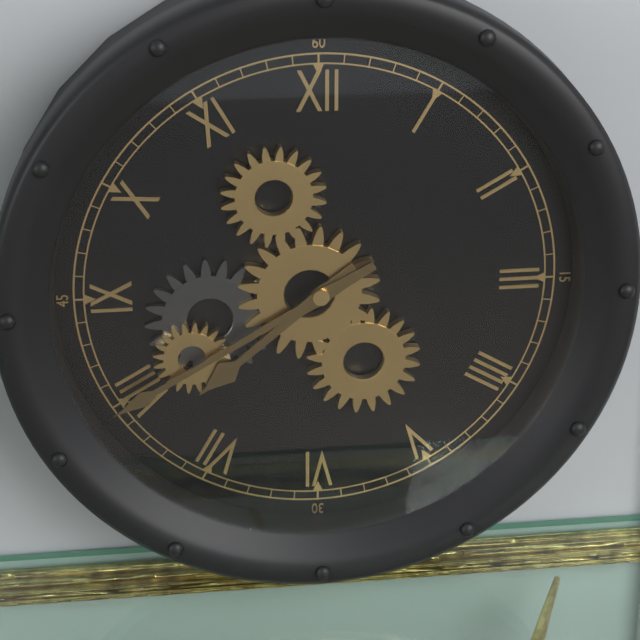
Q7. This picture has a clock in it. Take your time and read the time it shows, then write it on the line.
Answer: 7:40
